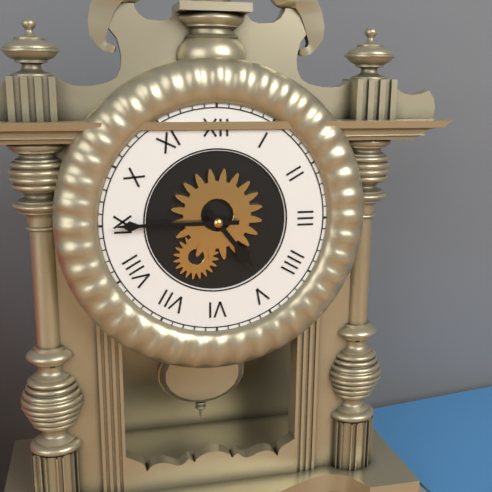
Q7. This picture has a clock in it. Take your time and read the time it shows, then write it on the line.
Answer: 4:45
